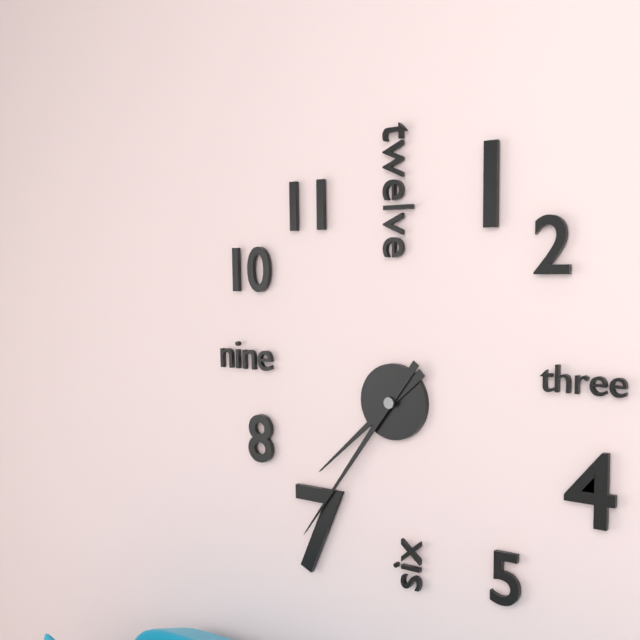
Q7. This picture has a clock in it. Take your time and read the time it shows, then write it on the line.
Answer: 7:36
